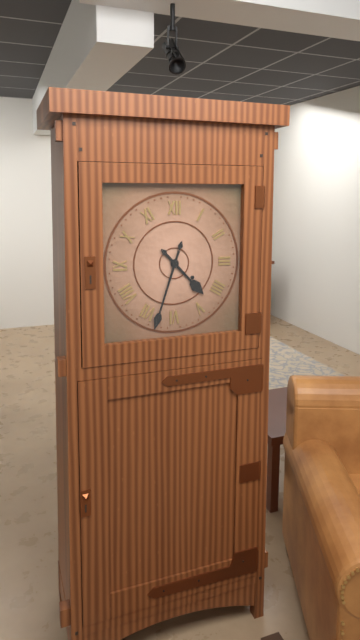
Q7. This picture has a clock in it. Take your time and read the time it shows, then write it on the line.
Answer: 4:33
